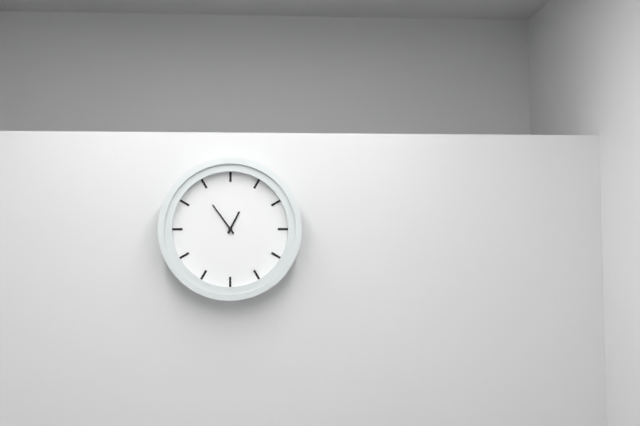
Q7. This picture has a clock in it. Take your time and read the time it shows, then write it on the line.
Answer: 12:54
